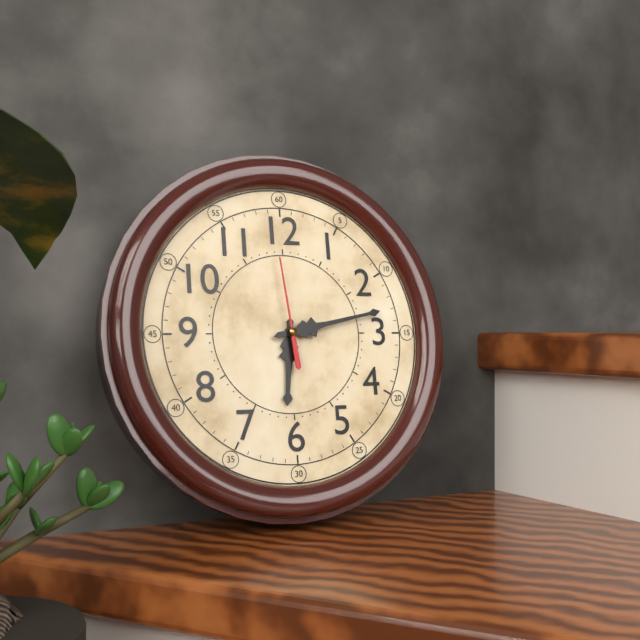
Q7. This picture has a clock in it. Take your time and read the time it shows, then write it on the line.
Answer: 6:13:59
